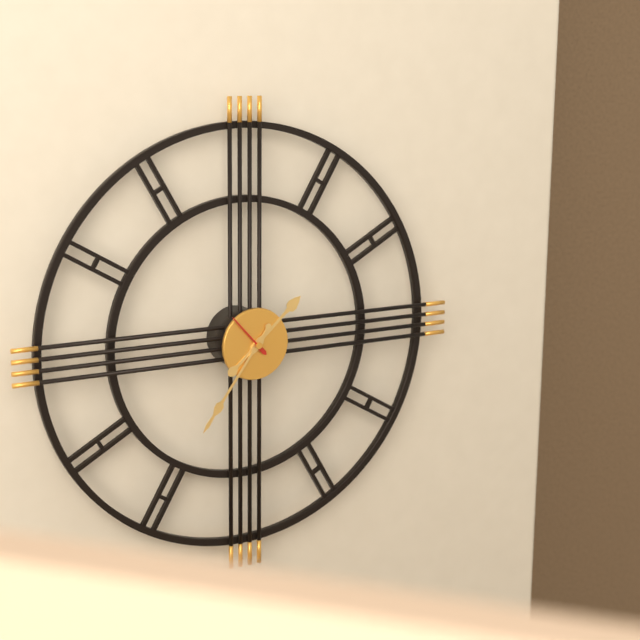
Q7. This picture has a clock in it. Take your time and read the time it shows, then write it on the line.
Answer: 1:36
